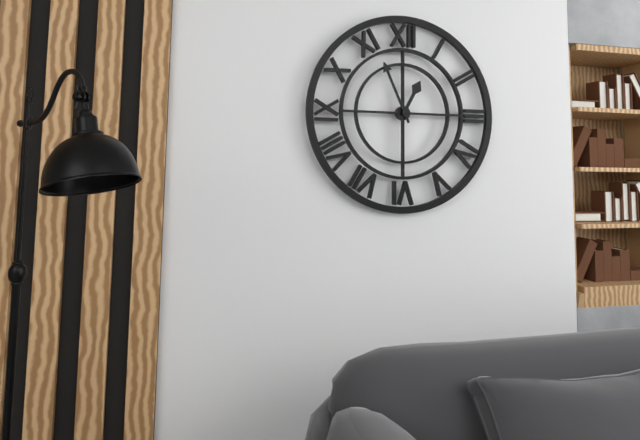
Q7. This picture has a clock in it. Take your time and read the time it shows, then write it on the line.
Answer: 12:56
